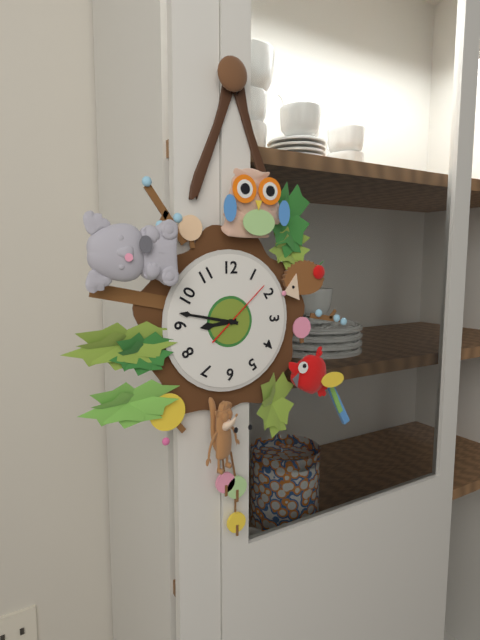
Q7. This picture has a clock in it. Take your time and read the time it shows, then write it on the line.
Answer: 8:47:08
